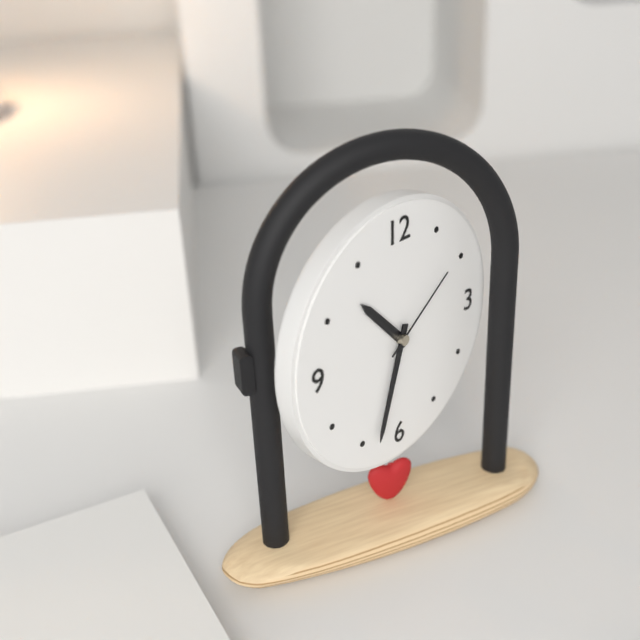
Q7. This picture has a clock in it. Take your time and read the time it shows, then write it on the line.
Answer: 10:33:09
